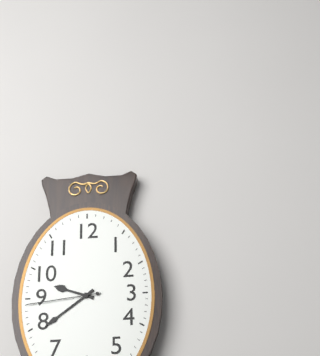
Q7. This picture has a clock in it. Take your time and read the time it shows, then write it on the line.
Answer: 9:39:44
